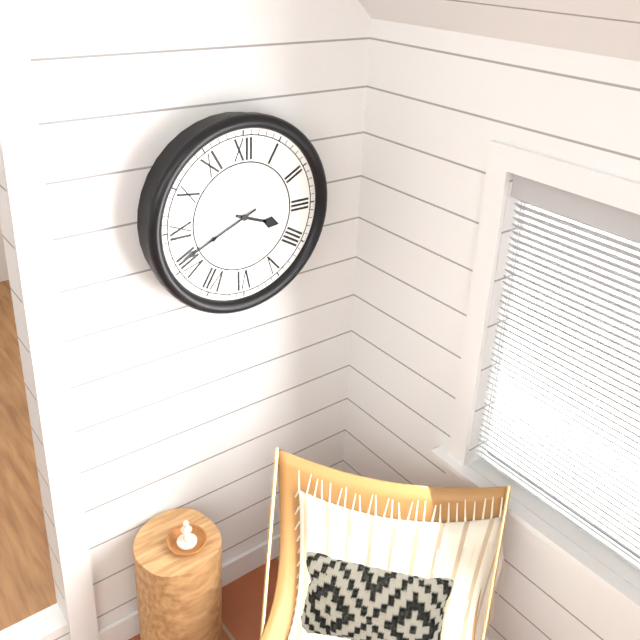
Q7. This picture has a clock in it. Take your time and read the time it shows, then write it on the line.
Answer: 3:41
